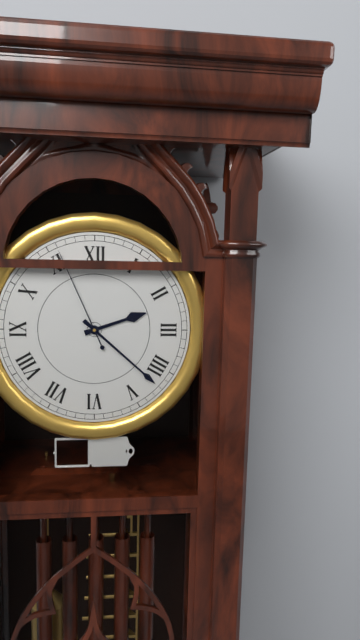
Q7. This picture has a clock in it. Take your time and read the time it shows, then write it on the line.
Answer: 2:22:56
